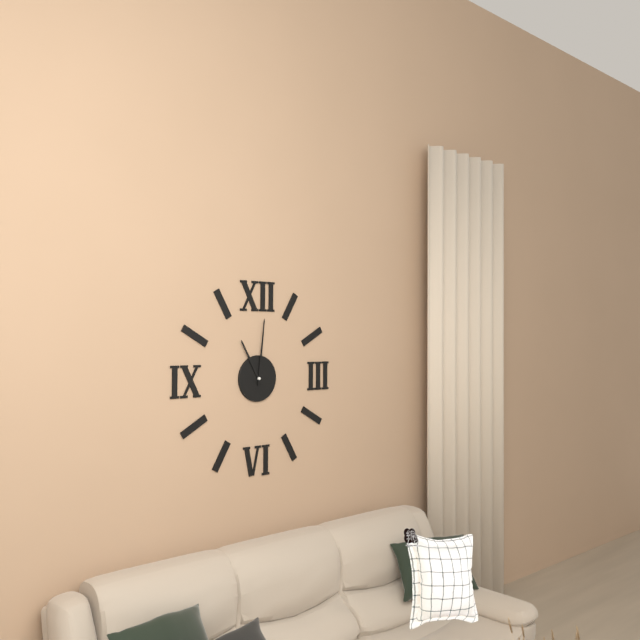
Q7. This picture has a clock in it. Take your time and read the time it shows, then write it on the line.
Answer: 11:01
